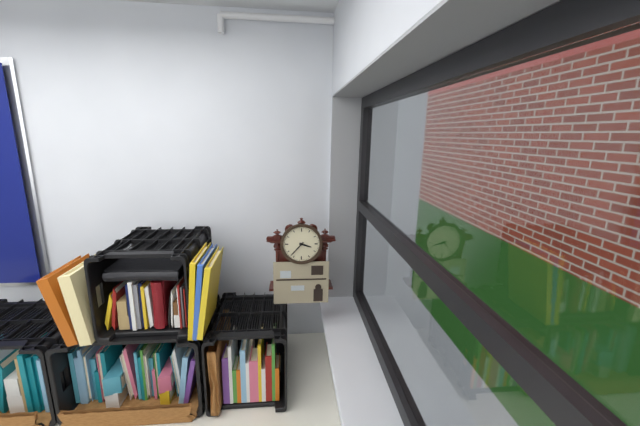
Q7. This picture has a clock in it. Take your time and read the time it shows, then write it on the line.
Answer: 3:37
